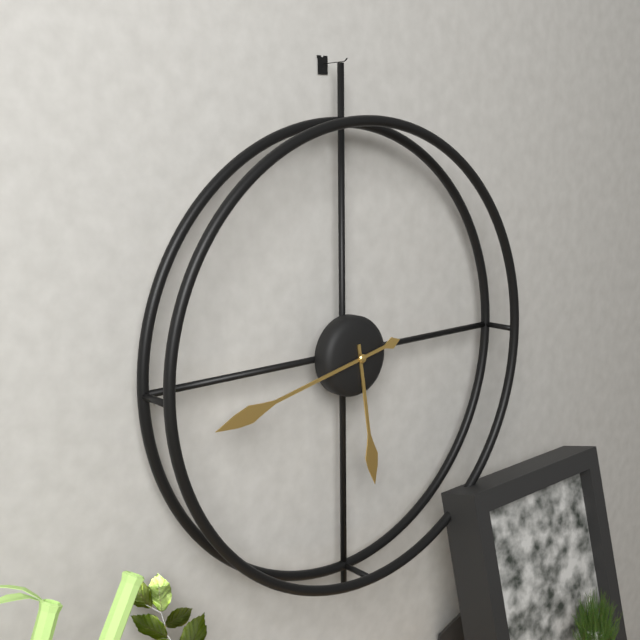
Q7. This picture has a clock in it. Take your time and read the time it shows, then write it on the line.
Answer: 5:43
